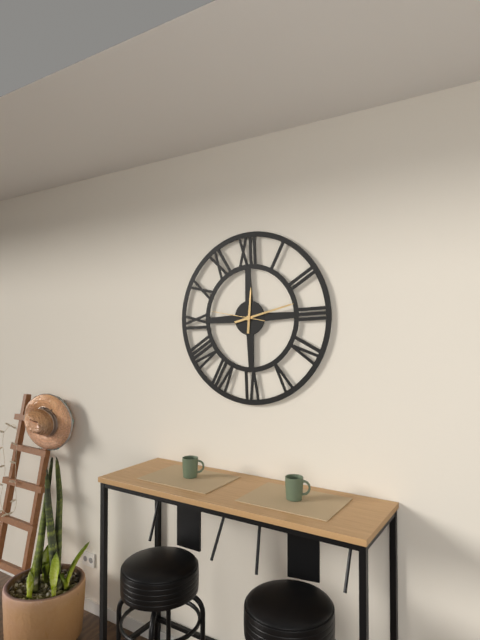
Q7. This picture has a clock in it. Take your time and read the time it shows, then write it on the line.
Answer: 12:13:47
